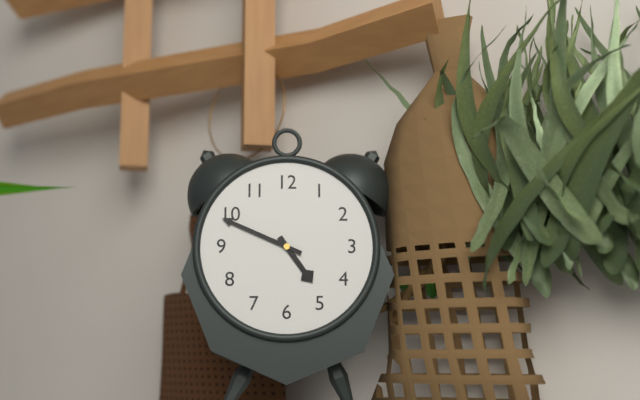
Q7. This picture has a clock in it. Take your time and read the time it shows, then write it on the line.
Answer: 4:49
